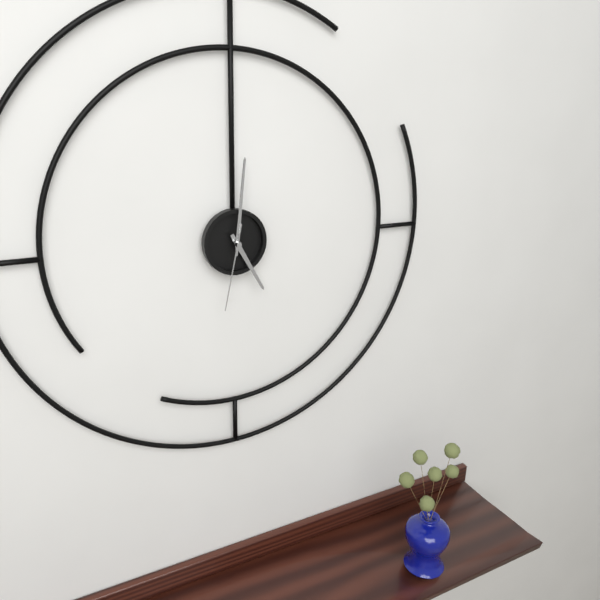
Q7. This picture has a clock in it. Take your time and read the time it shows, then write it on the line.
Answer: 5:01:32
